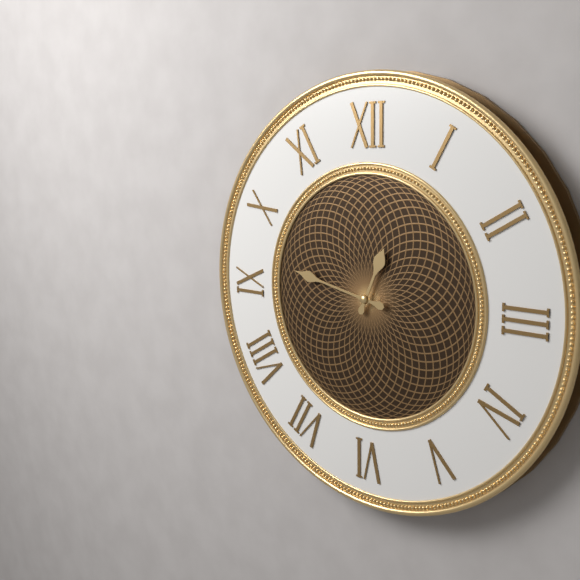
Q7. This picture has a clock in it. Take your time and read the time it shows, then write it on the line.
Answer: 12:47
